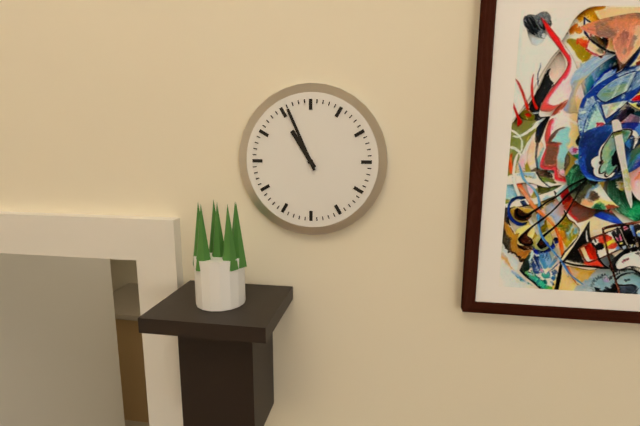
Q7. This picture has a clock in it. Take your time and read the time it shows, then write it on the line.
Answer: 10:56
